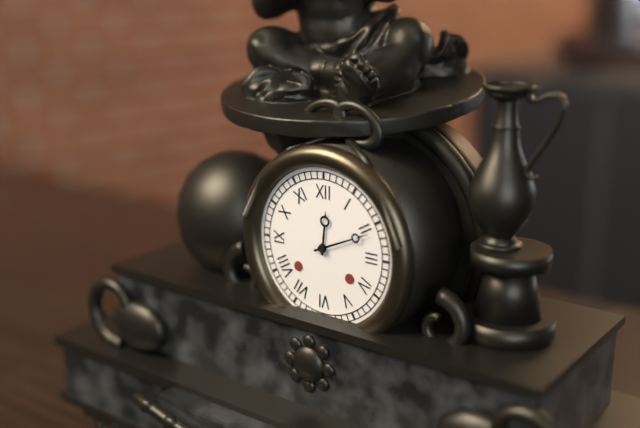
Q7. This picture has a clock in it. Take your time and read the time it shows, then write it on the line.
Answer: 12:11
